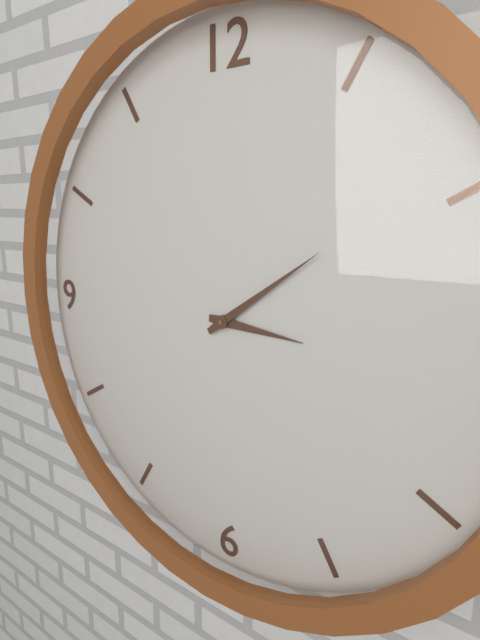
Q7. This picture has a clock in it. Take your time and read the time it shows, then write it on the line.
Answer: 3:09
